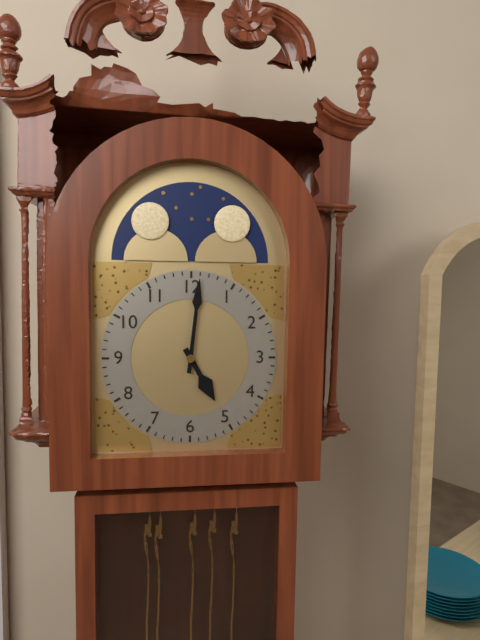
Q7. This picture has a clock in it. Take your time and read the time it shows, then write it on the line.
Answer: 5:01
